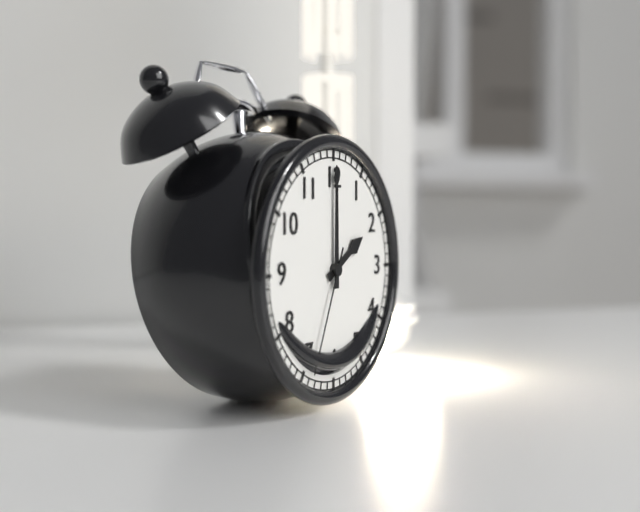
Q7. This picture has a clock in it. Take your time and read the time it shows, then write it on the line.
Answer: 2:00:34
